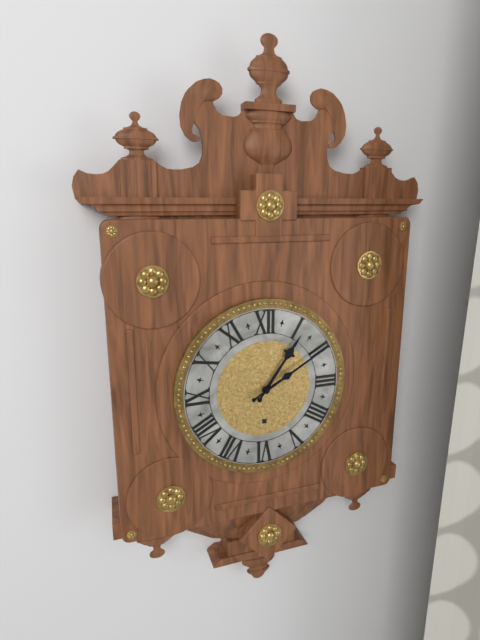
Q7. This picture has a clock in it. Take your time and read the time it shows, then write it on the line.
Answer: 1:10
